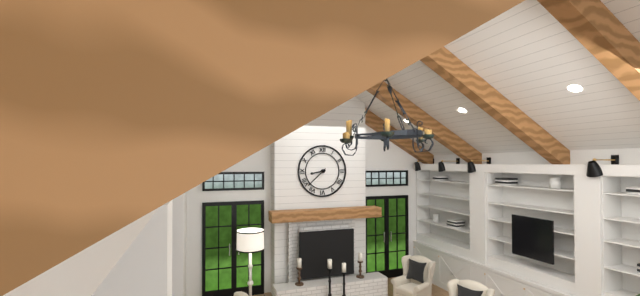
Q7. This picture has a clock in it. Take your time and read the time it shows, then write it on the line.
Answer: 8:38
